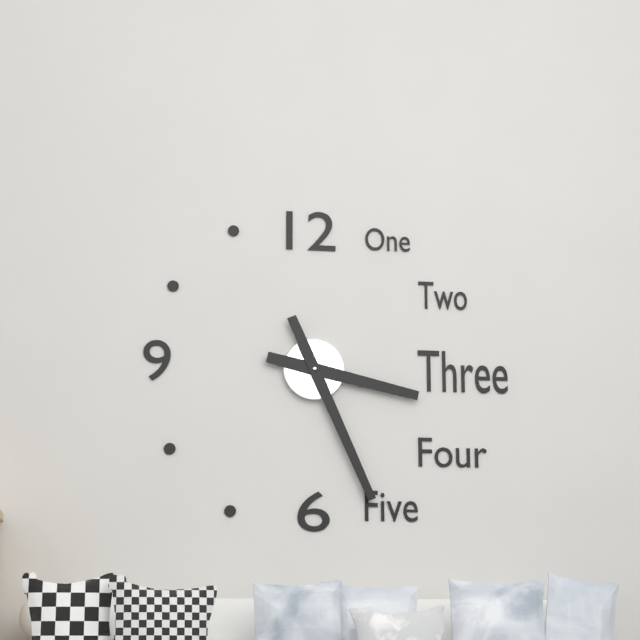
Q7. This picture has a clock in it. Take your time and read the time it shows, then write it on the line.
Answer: 3:26
